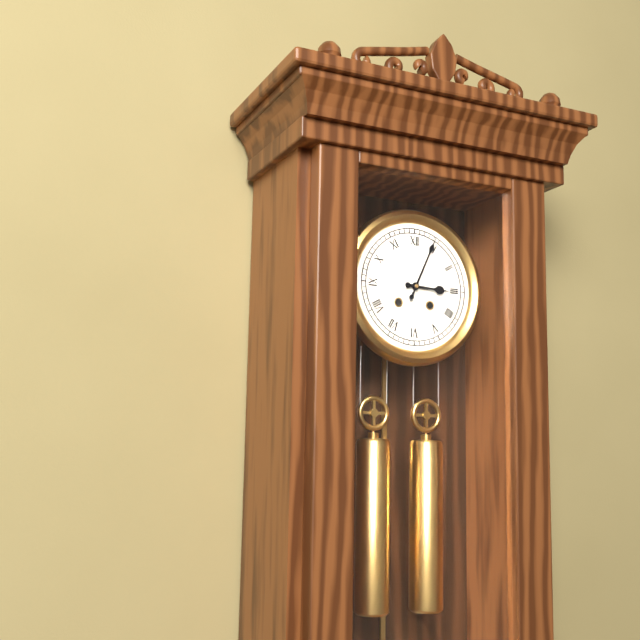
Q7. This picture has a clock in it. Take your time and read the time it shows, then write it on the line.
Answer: 3:04
